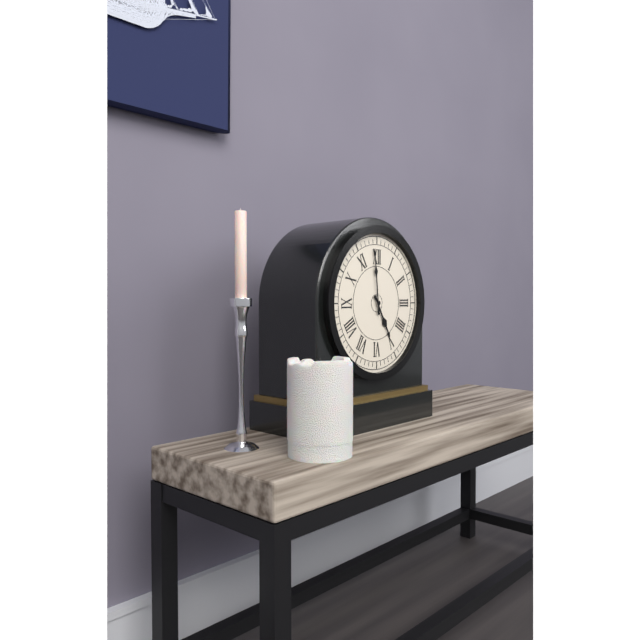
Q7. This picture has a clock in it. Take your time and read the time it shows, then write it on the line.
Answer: 4:59
